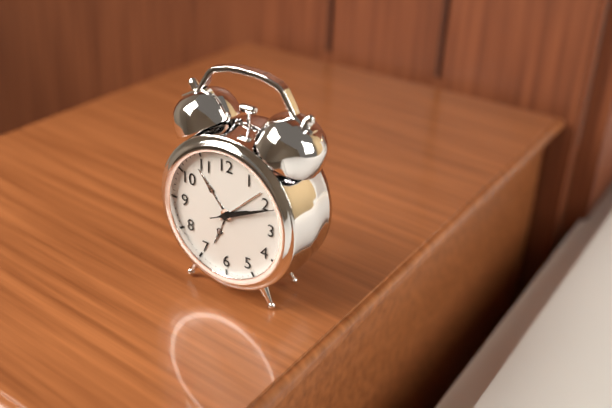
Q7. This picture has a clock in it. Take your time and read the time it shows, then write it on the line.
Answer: 2:11:11
